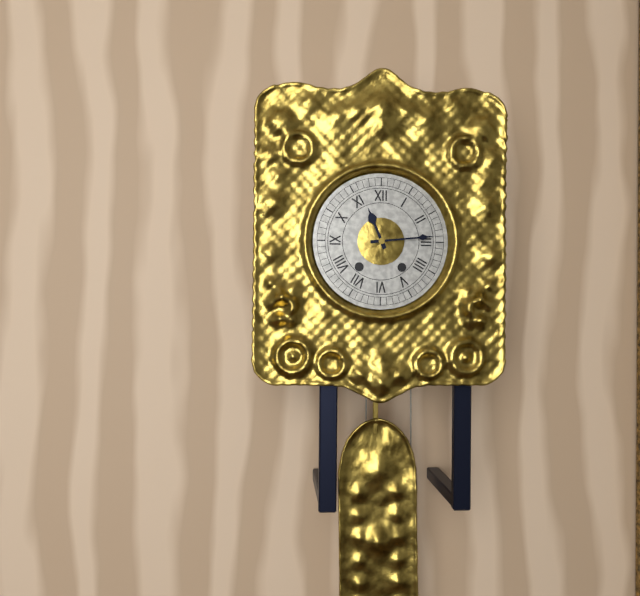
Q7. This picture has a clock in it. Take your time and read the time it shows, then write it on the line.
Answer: 11:14
